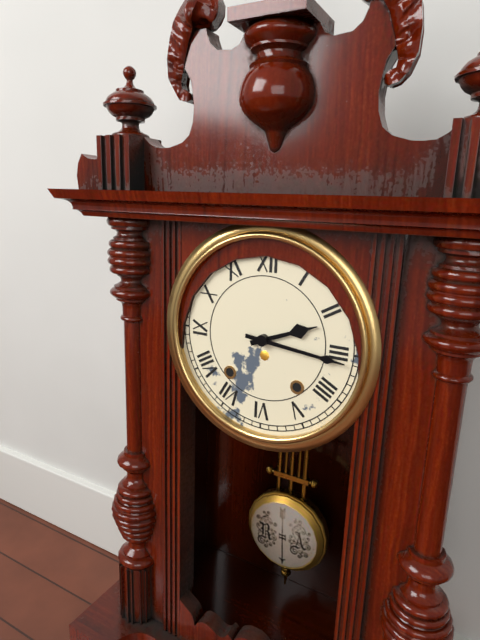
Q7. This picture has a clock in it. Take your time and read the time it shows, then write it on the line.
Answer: 2:16
